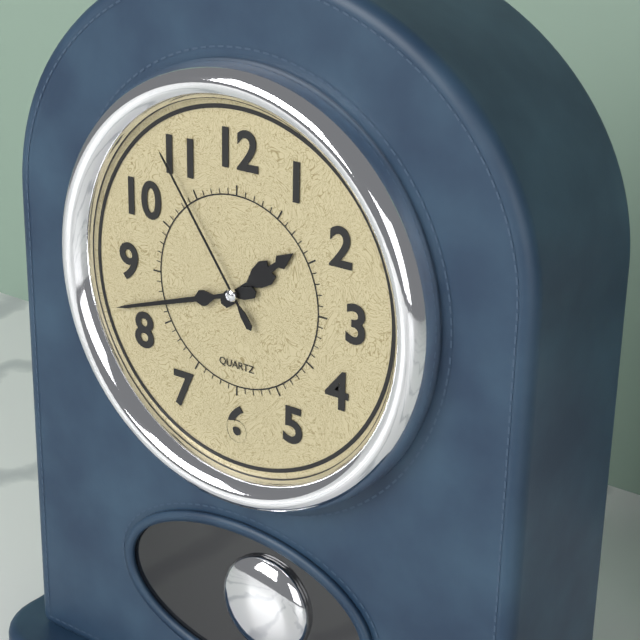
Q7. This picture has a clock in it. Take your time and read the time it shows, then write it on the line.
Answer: 1:42:54
